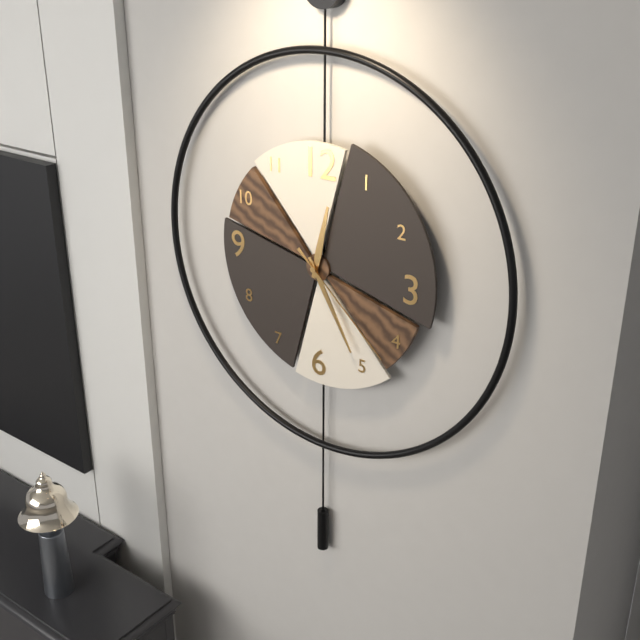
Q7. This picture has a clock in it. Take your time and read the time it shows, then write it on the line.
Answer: 12:25:22
